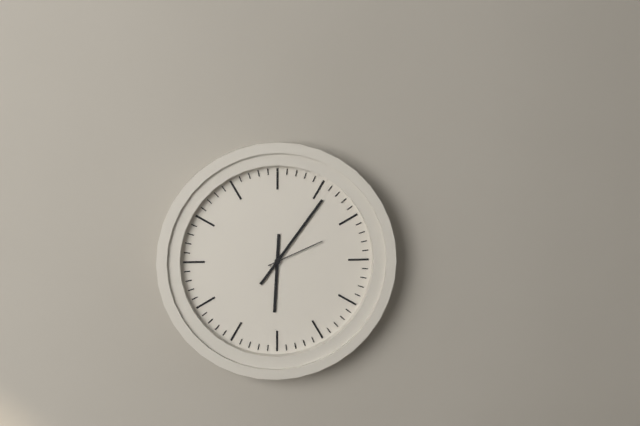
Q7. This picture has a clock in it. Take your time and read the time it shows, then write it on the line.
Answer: 6:06:11
